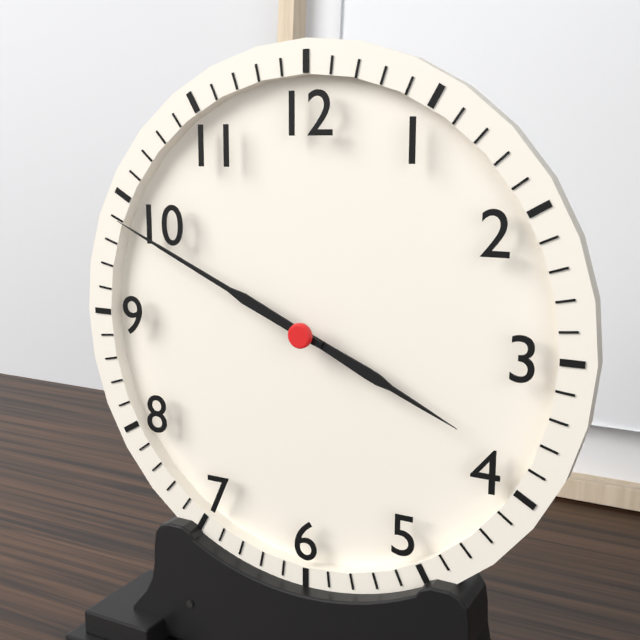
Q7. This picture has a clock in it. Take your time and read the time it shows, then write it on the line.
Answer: 3:49
